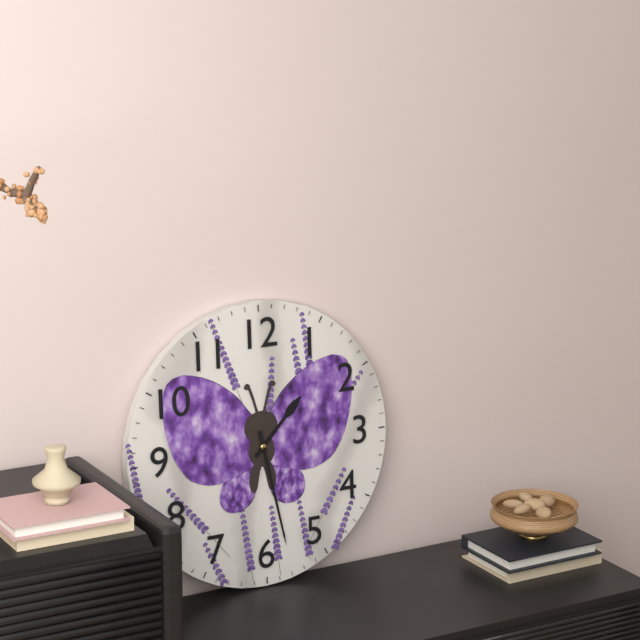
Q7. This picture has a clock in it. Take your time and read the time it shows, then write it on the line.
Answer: 1:28
